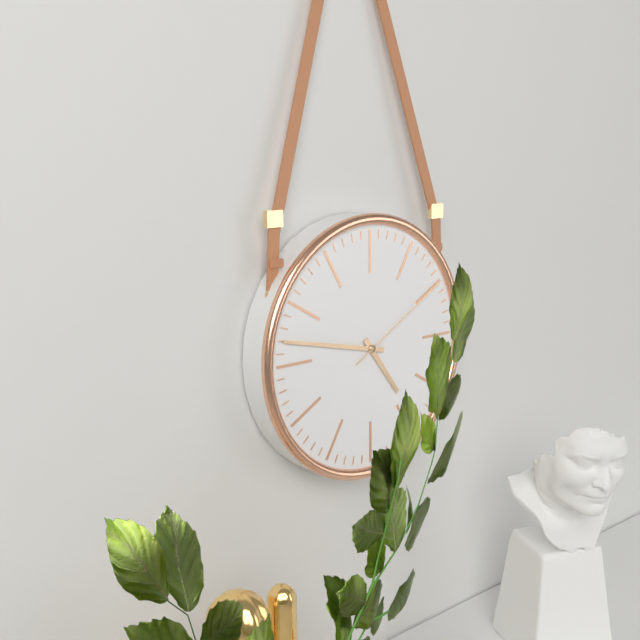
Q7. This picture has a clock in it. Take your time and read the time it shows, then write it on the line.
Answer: 4:47:10
